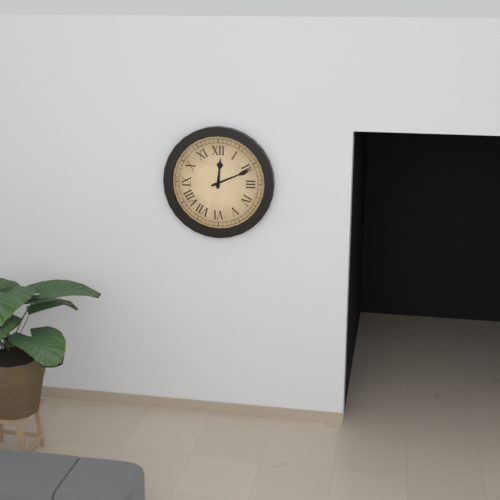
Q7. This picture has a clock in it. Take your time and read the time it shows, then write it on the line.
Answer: 12:11
